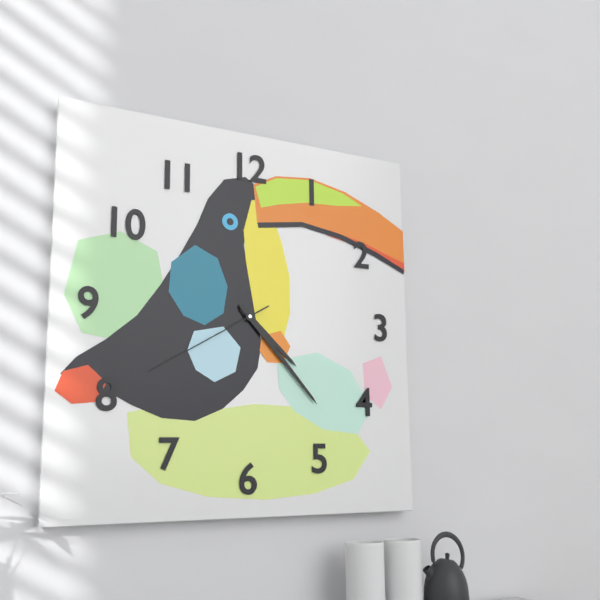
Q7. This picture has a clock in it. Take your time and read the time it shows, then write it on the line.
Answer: 4:23:40
